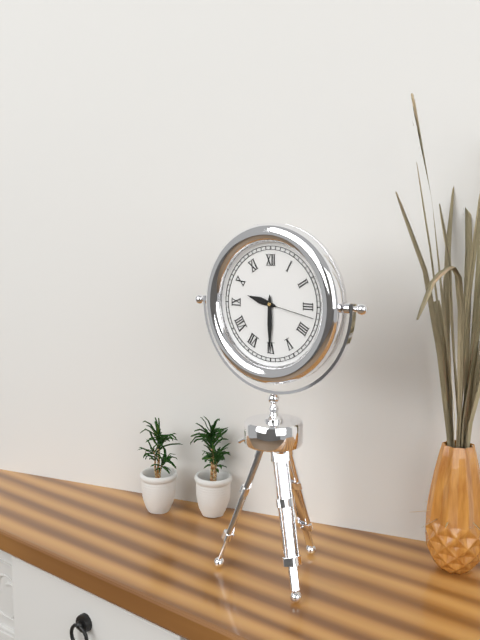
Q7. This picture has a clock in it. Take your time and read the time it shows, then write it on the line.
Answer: 9:30:17
